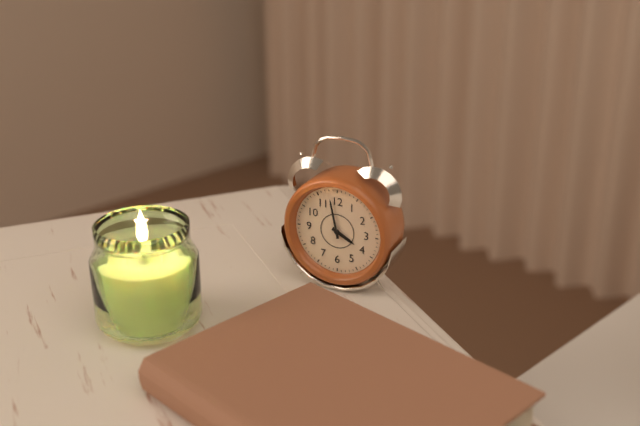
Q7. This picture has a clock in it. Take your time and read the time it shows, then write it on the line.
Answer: 3:58
